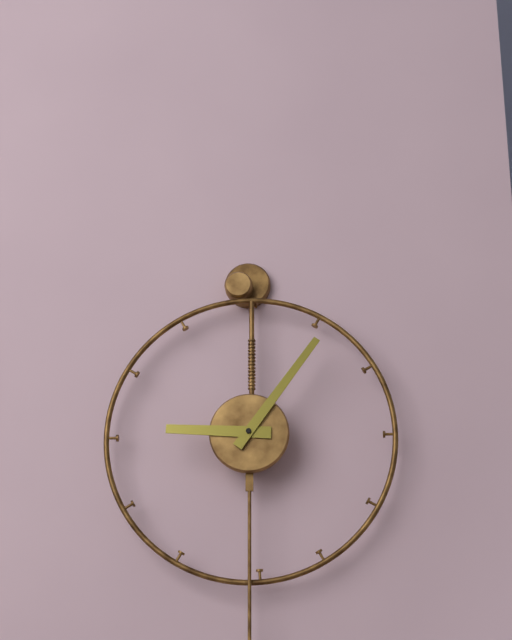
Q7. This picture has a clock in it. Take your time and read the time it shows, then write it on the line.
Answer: 9:06
